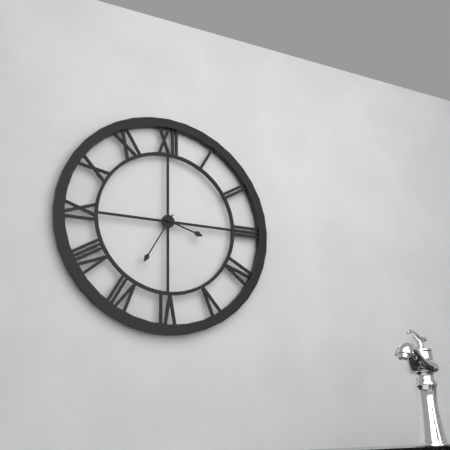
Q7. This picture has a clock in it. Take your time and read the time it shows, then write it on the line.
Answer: 3:35
